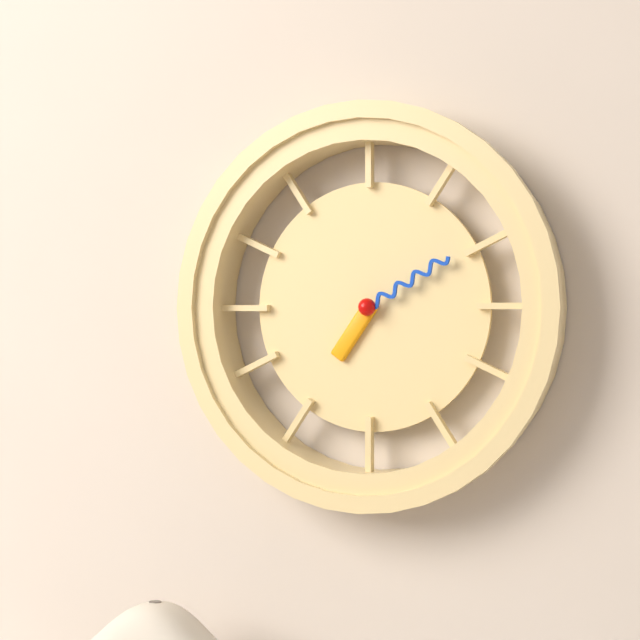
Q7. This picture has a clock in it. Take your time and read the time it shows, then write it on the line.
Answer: 7:10
